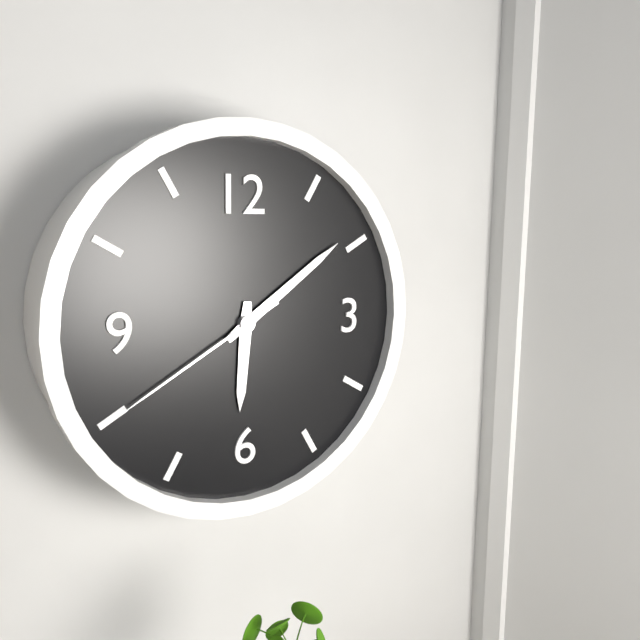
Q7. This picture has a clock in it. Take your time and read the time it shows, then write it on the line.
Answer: 6:09:40
